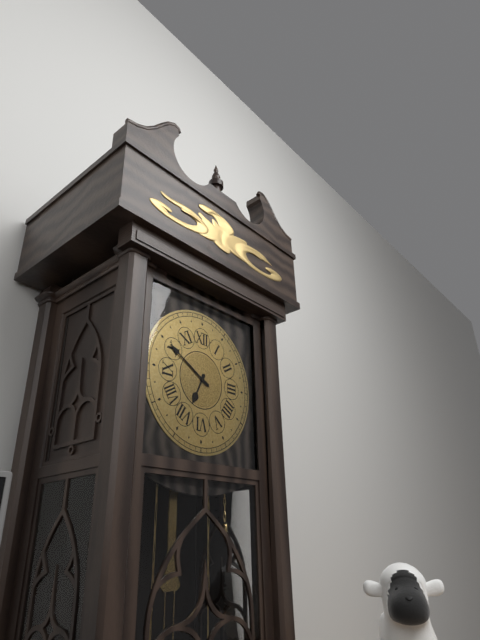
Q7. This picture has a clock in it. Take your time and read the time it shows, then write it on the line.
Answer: 6:50
